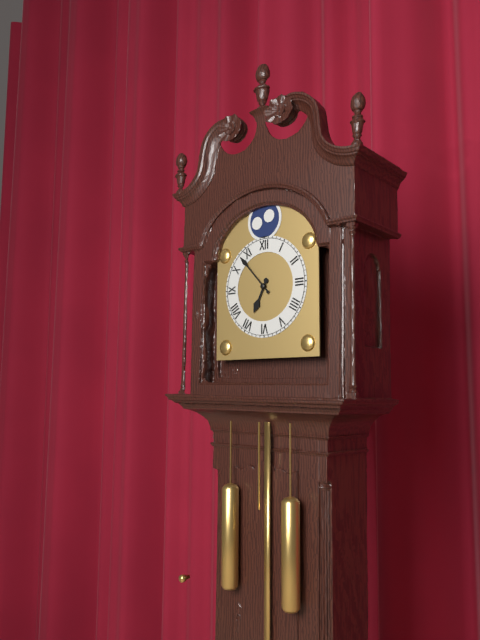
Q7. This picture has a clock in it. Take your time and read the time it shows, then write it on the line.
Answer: 6:53
